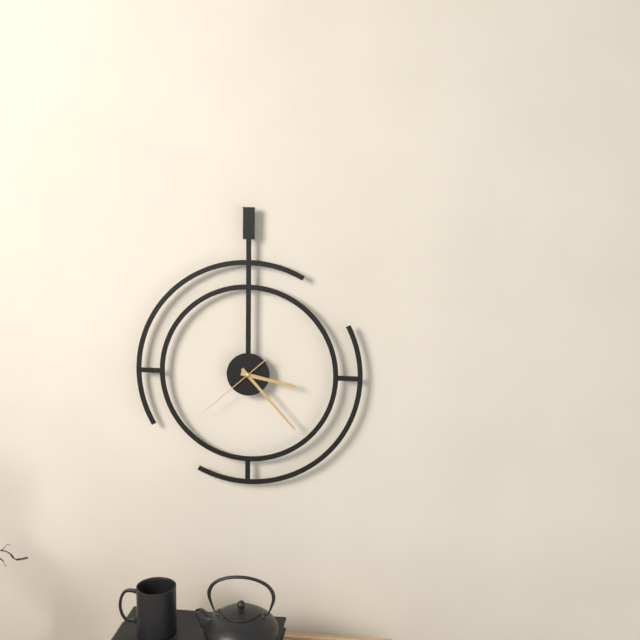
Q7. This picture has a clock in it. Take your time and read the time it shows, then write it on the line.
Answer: 3:23:38
